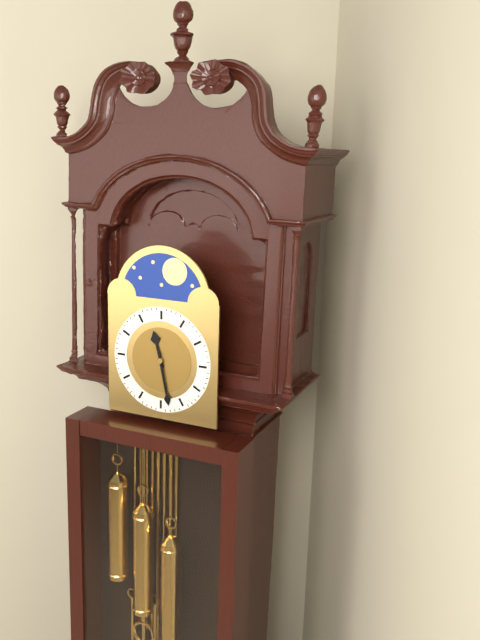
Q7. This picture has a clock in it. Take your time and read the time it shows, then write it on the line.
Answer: 11:28
